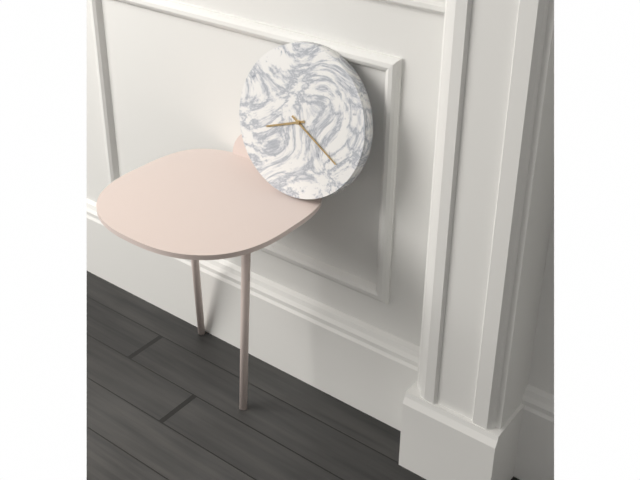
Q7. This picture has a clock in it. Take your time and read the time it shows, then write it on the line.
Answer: 8:20
